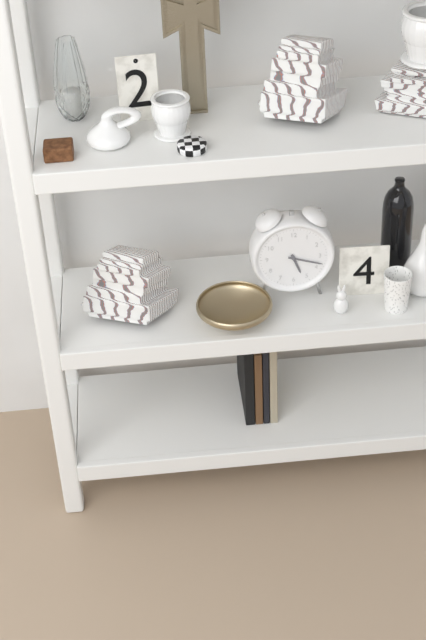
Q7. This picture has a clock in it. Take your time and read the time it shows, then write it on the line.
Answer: 5:18
